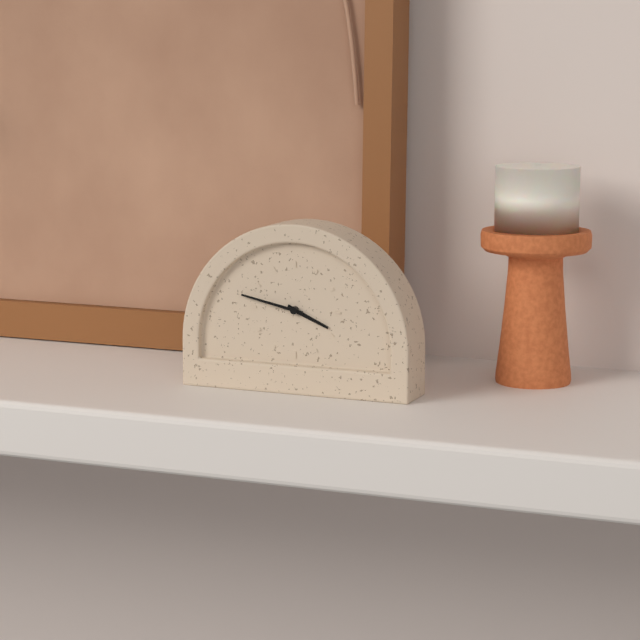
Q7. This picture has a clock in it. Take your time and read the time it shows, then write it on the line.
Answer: 3:47
